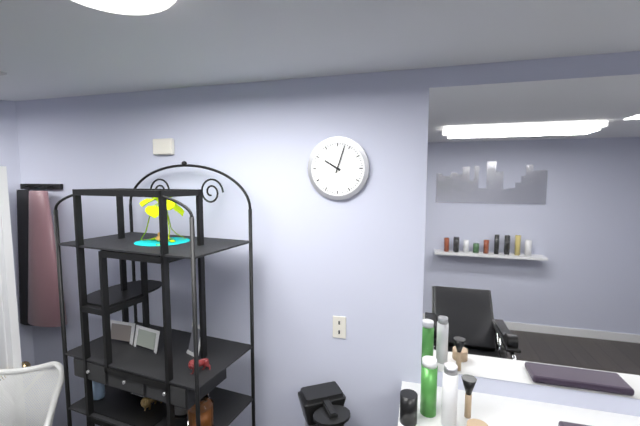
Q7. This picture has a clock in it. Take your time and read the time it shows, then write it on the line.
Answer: 10:03
